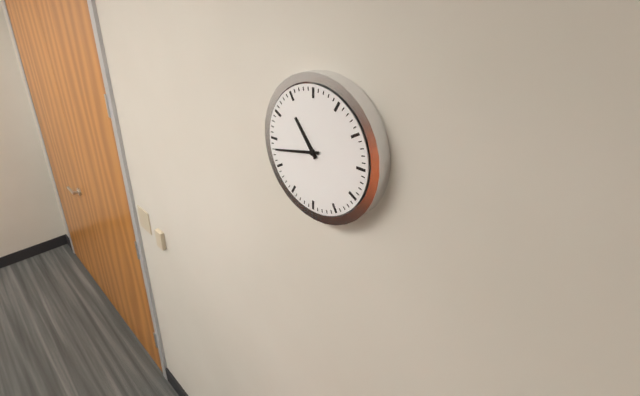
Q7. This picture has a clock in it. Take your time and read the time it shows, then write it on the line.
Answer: 10:43
